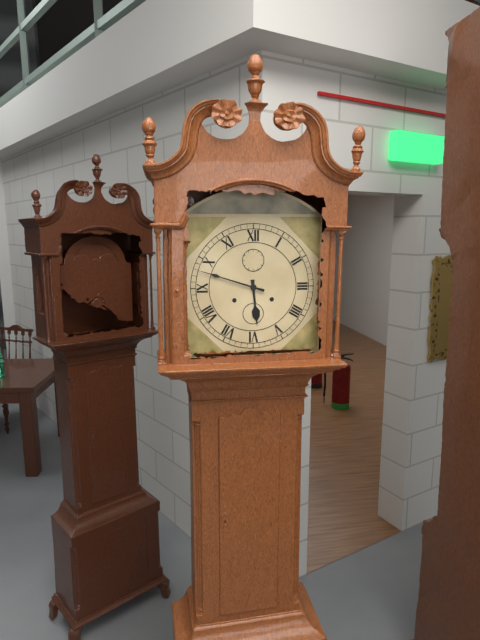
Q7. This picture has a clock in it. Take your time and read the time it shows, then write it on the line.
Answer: 5:48
